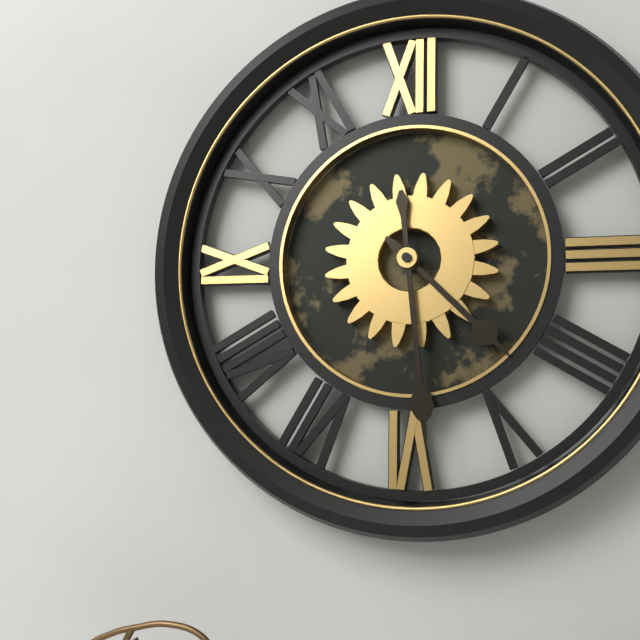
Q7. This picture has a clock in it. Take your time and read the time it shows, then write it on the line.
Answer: 4:29
